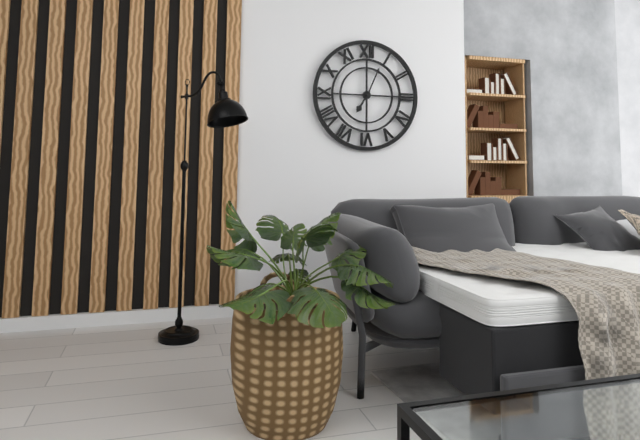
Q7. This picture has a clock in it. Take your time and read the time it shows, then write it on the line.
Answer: 7:04
